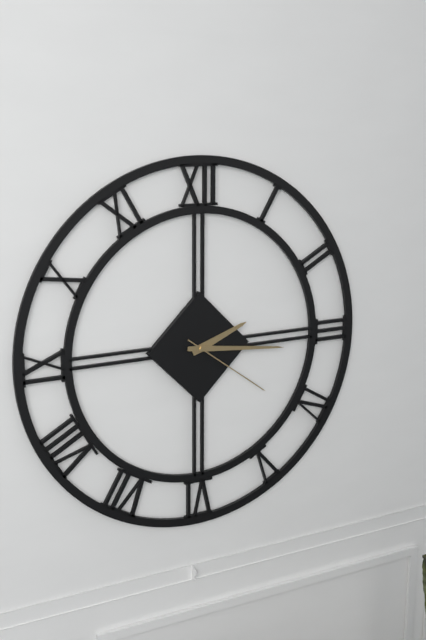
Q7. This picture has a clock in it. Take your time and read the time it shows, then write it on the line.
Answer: 2:16:21
